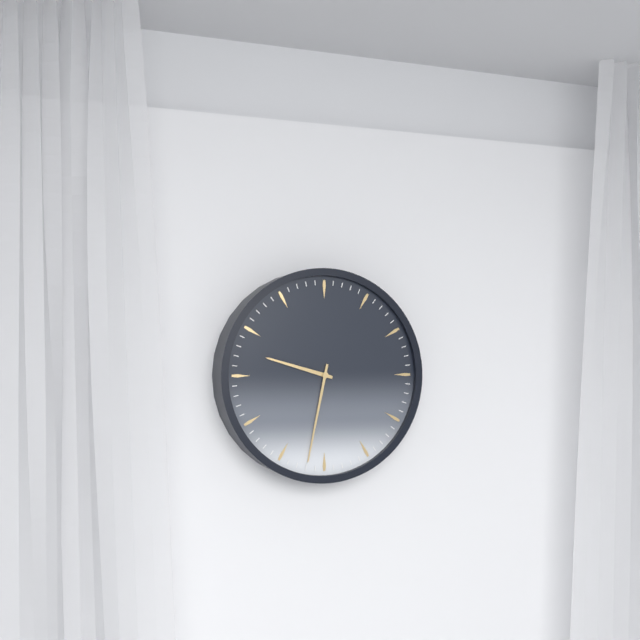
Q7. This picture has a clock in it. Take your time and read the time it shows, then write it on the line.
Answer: 9:32
